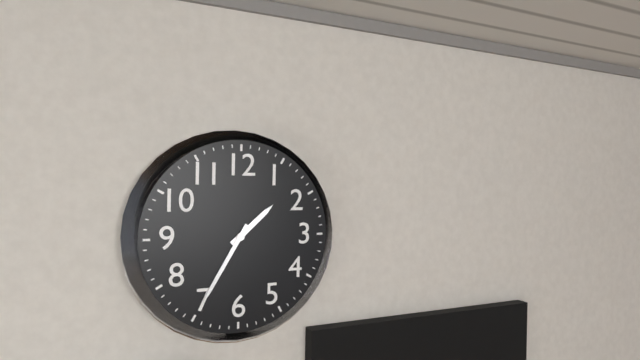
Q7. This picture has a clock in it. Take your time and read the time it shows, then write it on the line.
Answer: 1:35
